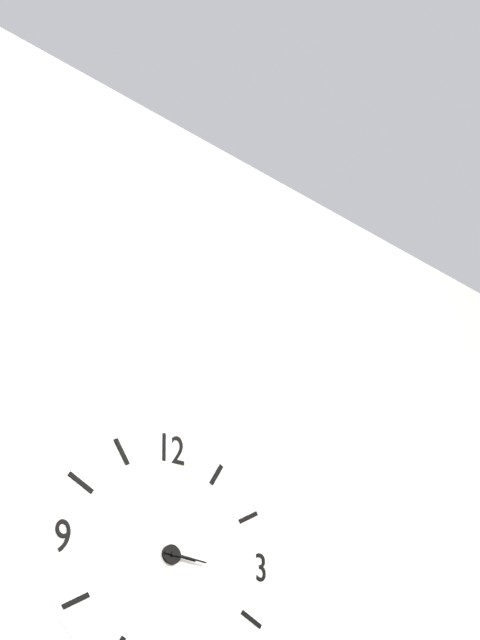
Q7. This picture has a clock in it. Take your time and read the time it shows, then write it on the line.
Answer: 3:16
